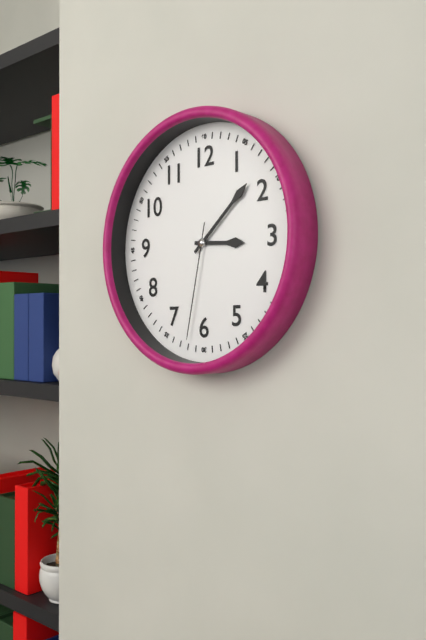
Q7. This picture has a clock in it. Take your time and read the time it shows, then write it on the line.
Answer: 3:08:32
